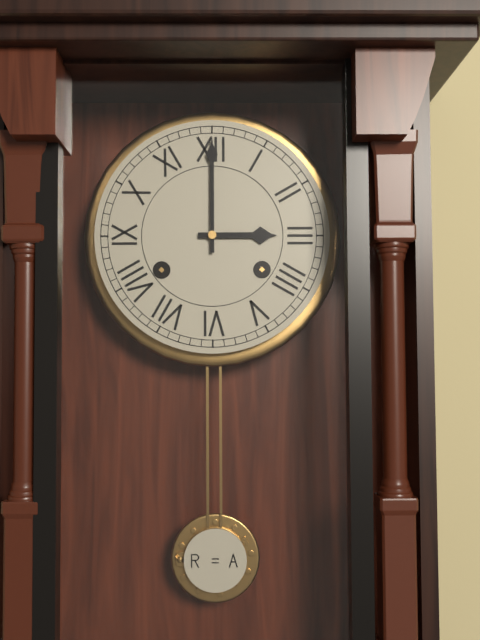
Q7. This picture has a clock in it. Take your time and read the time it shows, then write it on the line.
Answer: 3:00
